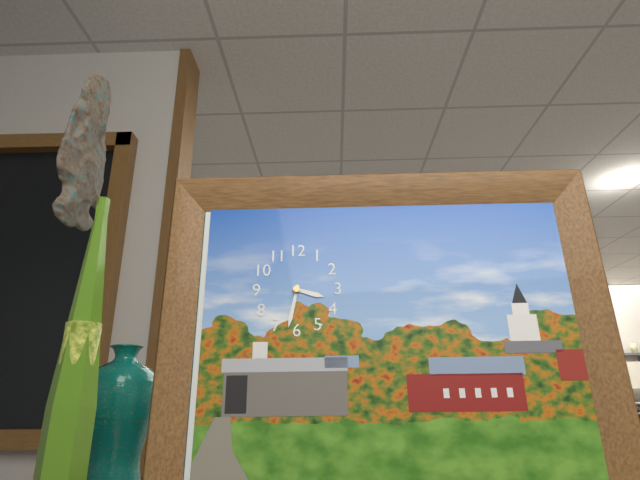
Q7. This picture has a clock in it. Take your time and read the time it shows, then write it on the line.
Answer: 3:32
